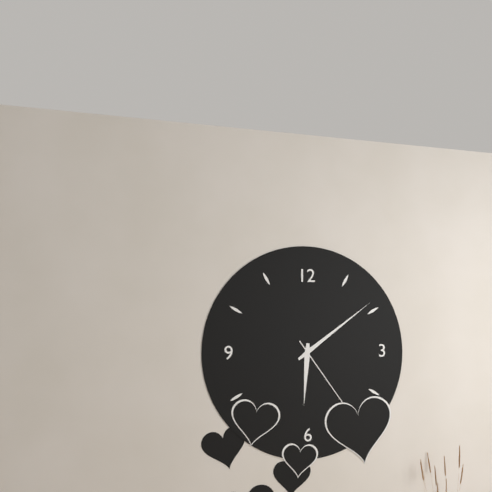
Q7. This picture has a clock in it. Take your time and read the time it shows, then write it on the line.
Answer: 6:09:24
